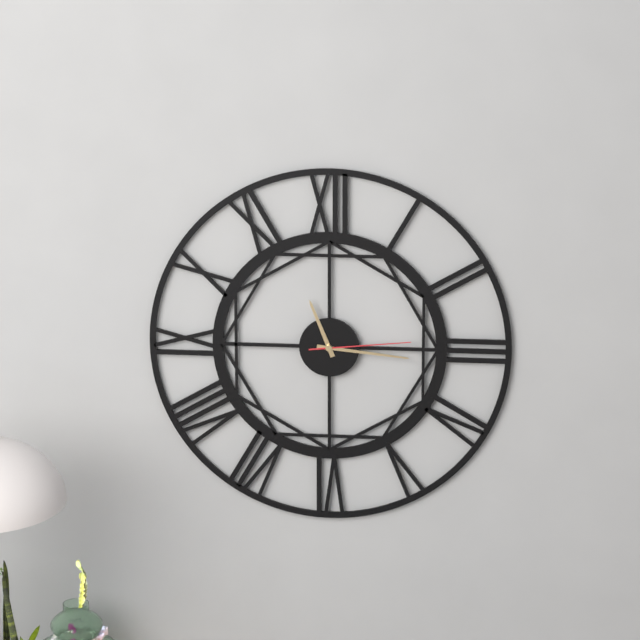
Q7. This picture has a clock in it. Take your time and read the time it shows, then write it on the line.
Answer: 11:16:14
